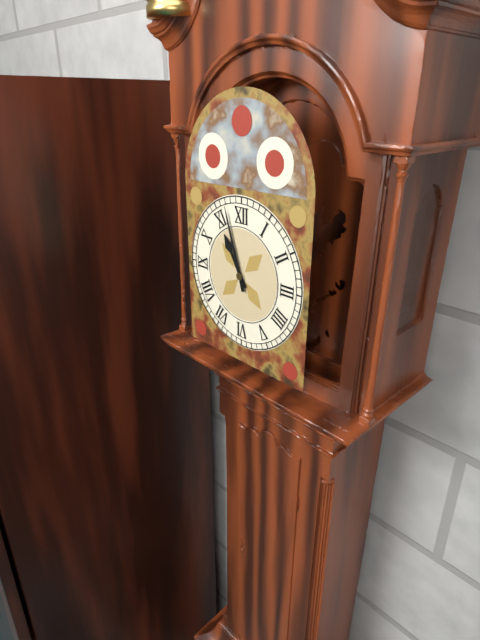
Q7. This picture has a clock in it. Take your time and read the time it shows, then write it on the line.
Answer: 10:57
